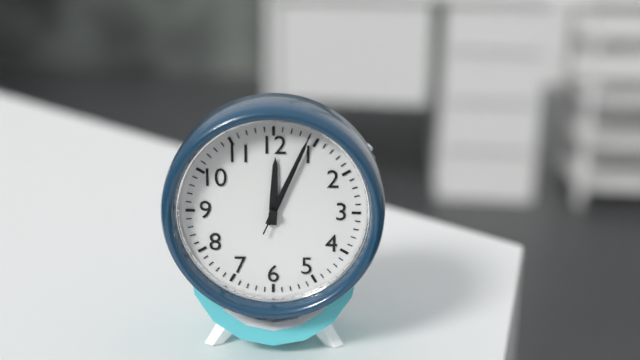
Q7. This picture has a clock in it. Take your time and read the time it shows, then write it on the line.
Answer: 12:04:04
